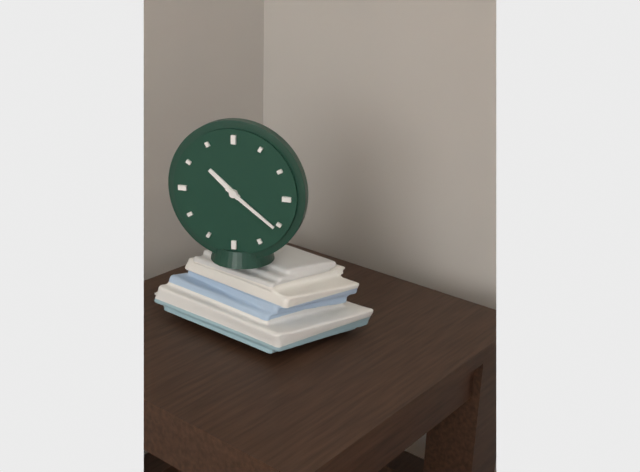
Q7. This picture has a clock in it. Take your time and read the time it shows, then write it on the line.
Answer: 10:21
